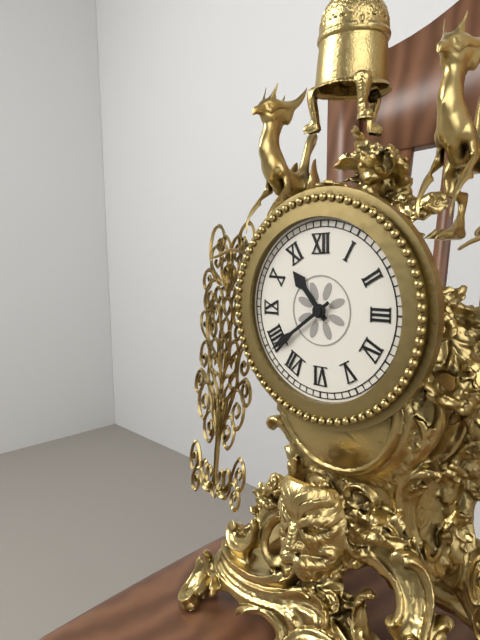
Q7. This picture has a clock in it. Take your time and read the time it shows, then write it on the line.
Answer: 10:39
